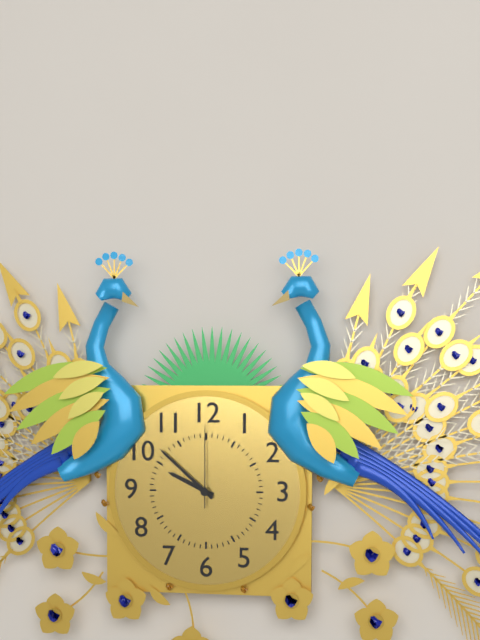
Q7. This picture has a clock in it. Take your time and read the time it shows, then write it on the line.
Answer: 9:52:00
